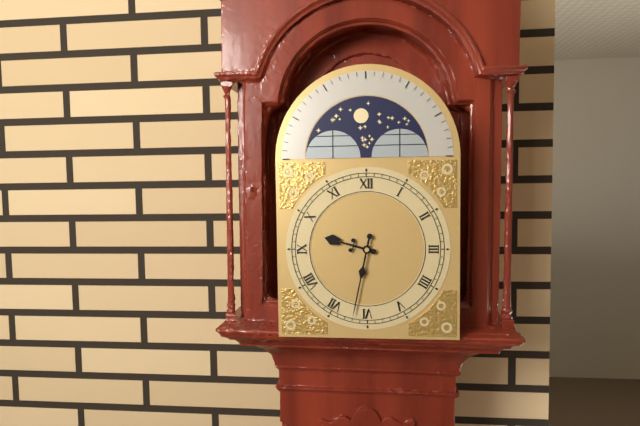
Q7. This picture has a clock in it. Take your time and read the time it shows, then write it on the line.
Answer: 9:32
